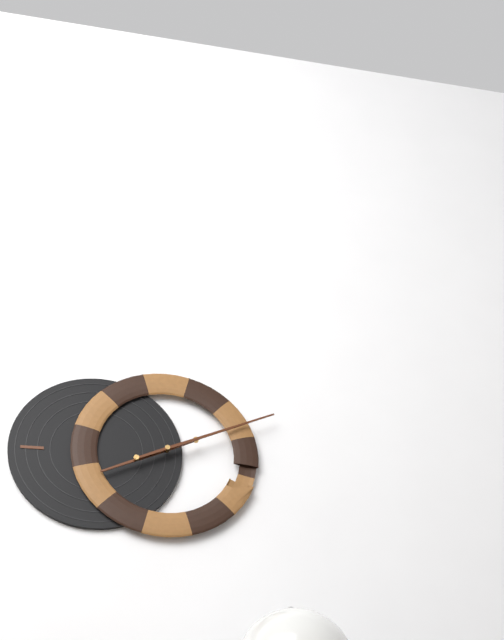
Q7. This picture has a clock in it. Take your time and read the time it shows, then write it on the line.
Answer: 8:11
